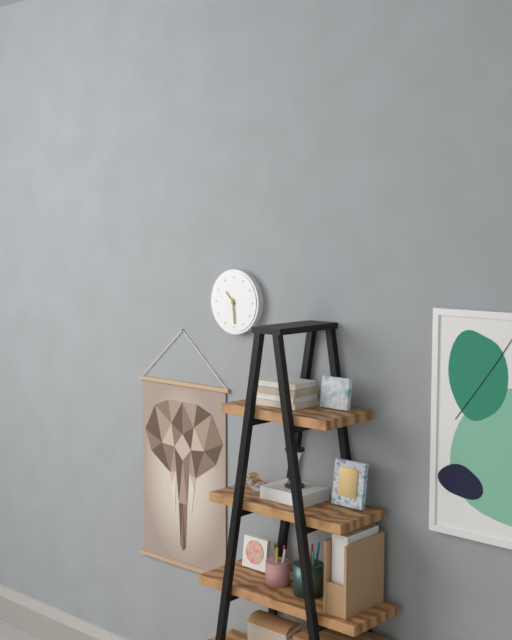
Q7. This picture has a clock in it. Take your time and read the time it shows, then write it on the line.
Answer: 10:29
